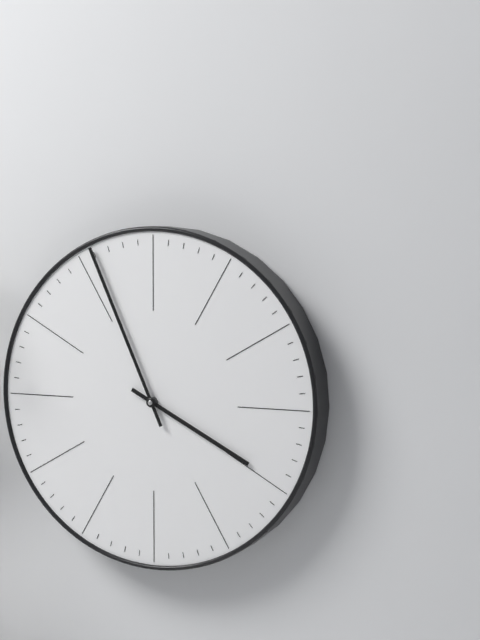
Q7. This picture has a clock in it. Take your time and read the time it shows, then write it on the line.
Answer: 3:56
